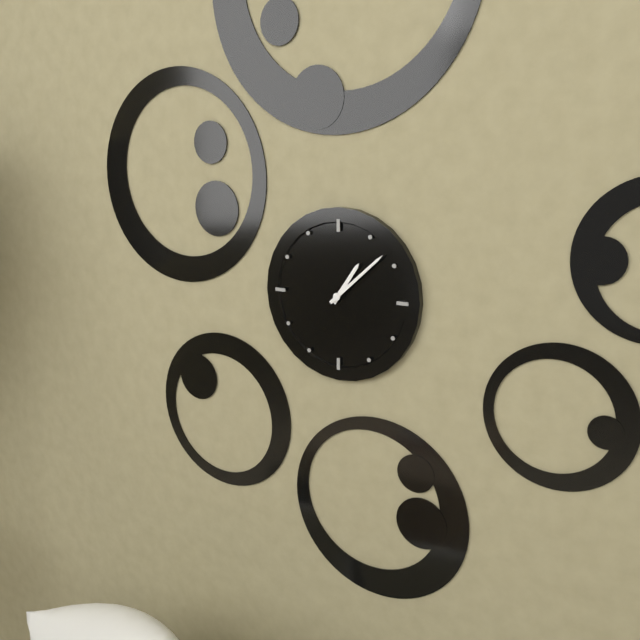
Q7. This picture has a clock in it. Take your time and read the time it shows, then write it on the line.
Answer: 1:08
